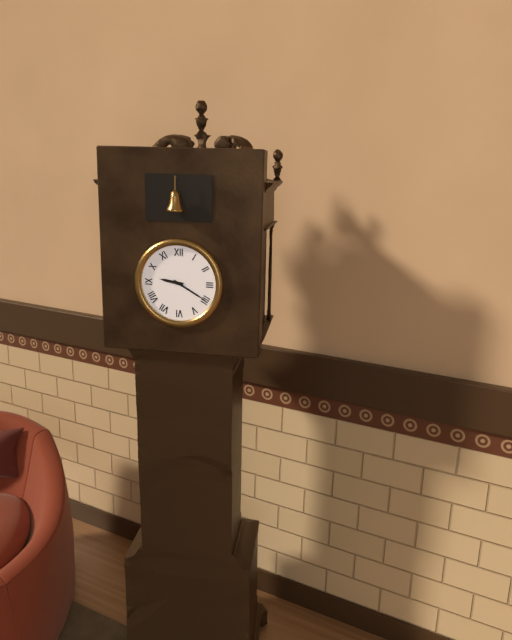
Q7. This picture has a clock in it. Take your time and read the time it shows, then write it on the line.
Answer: 9:20
